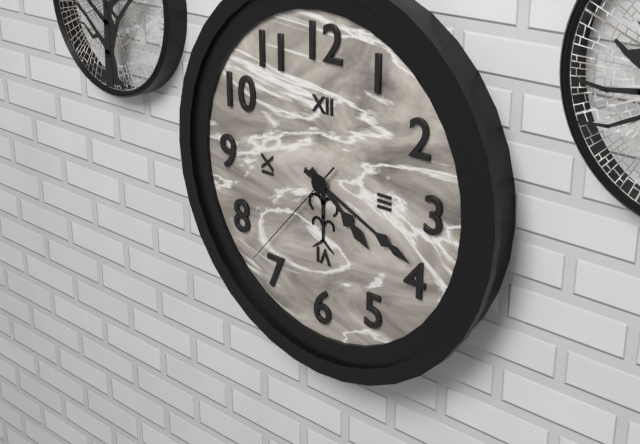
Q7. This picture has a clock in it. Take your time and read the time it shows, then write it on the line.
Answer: 4:19:37
